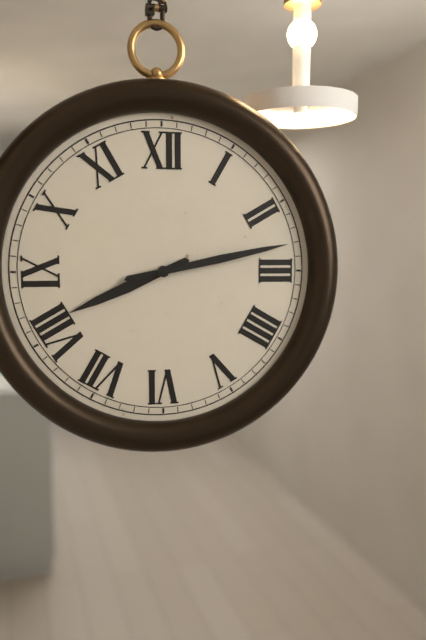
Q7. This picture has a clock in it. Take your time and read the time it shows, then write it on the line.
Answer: 8:13
